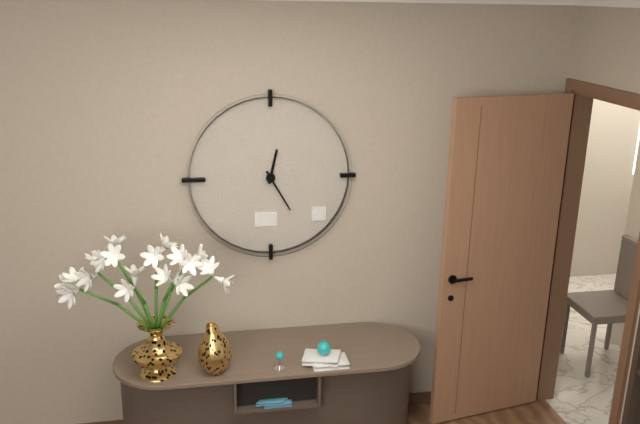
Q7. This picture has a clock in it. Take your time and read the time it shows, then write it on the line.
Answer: 12:25
